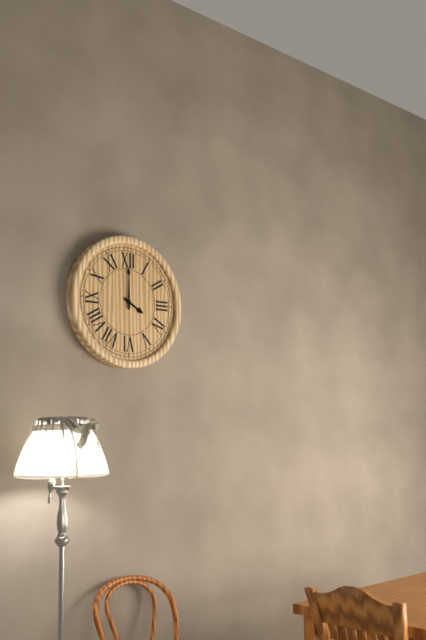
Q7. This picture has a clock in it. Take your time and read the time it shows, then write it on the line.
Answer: 4:00
